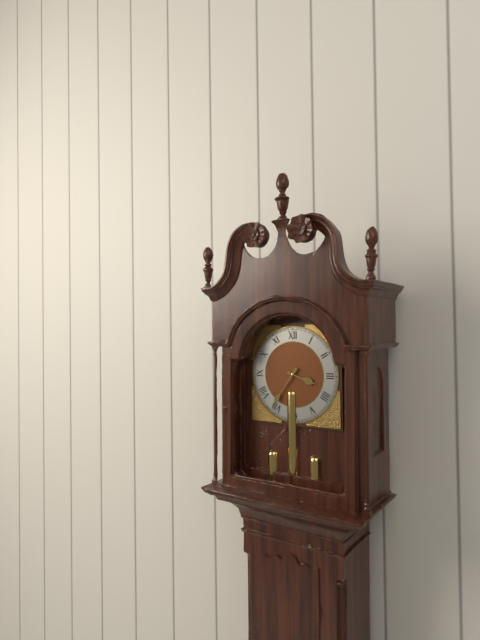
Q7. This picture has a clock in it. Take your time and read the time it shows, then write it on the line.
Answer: 3:36
